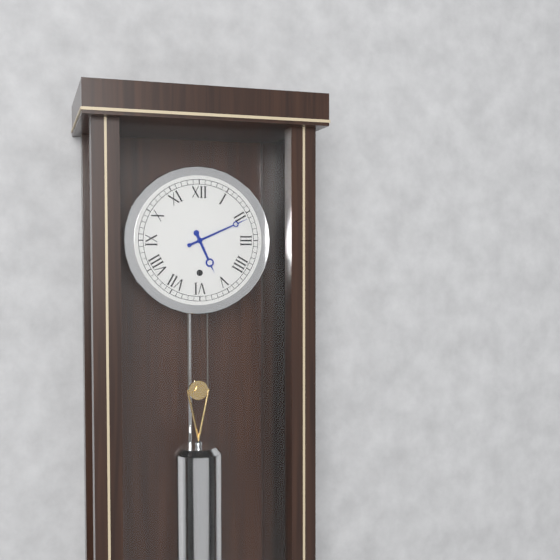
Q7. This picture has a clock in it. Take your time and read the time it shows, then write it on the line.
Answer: 5:11
